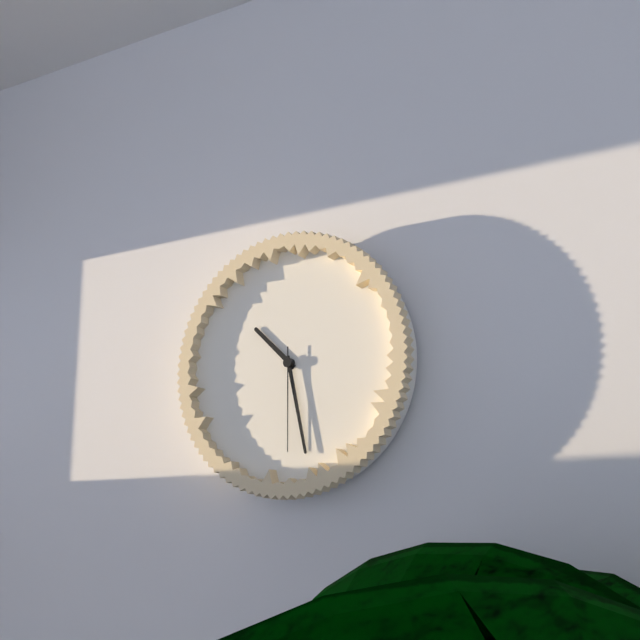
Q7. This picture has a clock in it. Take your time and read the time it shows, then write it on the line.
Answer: 10:28:30
